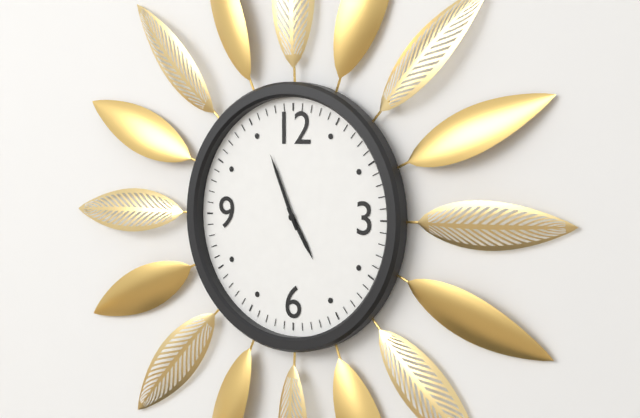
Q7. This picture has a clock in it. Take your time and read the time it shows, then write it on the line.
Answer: 4:56
